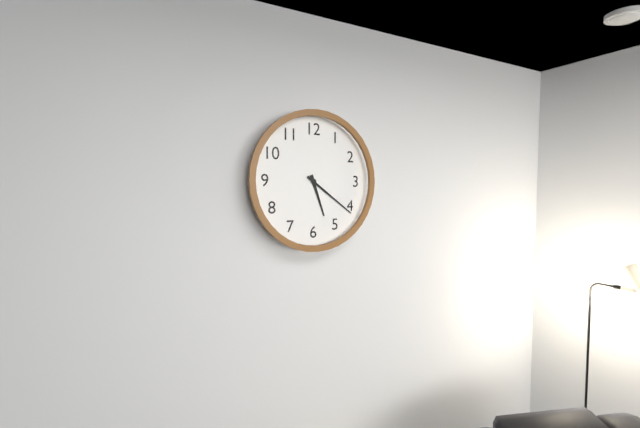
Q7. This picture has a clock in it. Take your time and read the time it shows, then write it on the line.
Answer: 5:21
